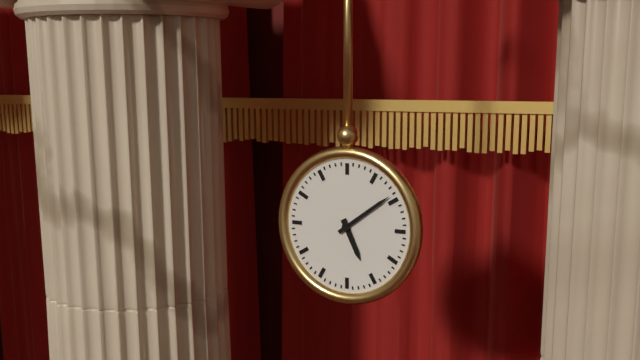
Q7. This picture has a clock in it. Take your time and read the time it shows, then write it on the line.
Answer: 5:09
